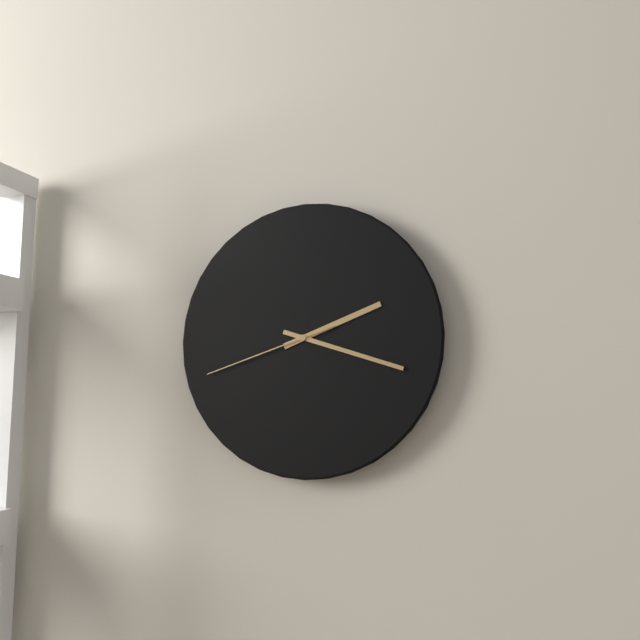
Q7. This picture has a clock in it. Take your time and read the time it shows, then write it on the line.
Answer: 2:18:42
